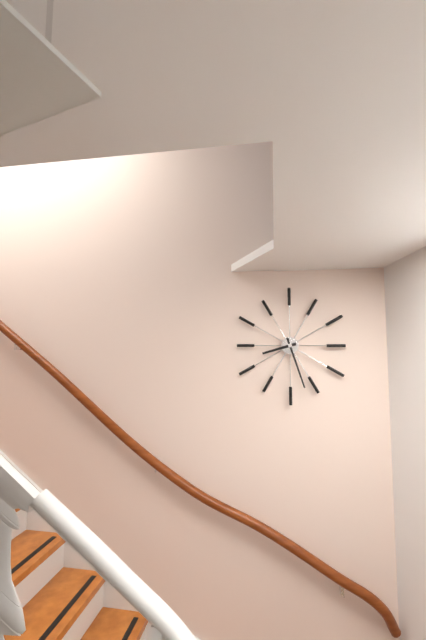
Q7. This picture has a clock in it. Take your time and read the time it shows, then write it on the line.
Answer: 8:27
